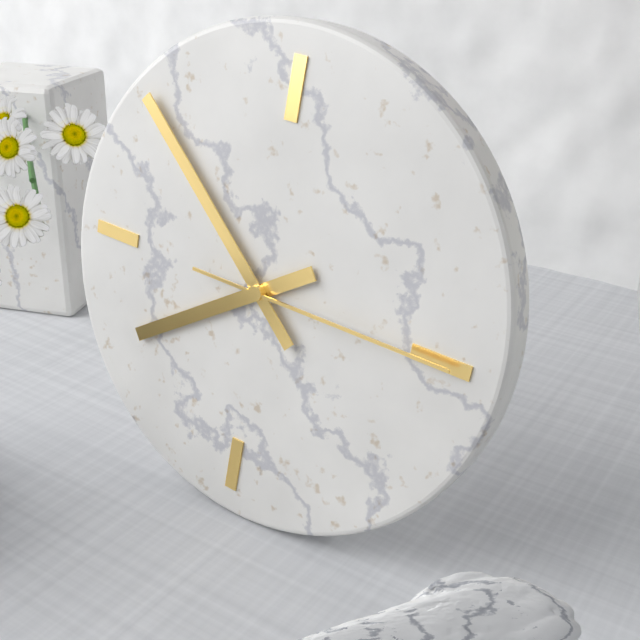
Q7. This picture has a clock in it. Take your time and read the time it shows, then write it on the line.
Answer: 7:52:15
